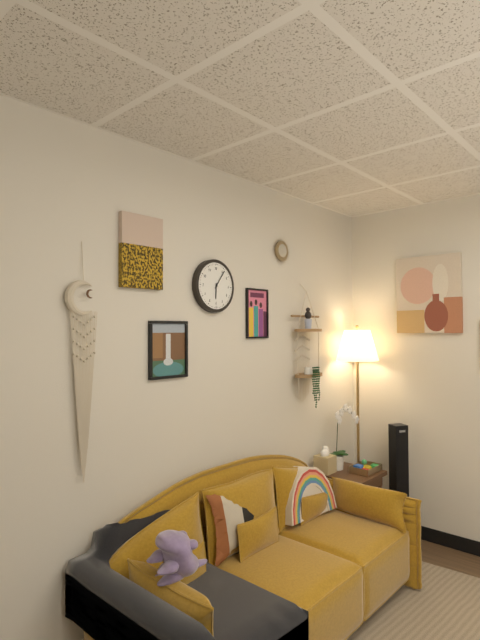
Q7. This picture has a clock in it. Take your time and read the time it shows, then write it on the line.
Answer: 6:06
